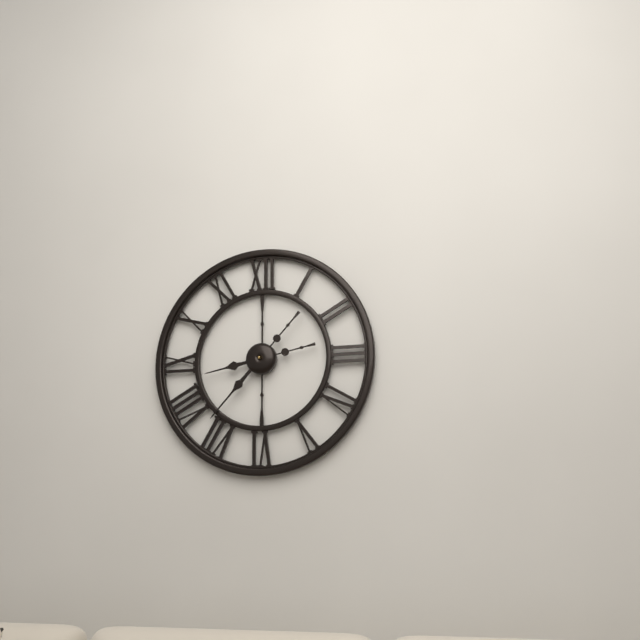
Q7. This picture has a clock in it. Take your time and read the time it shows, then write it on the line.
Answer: 8:37
